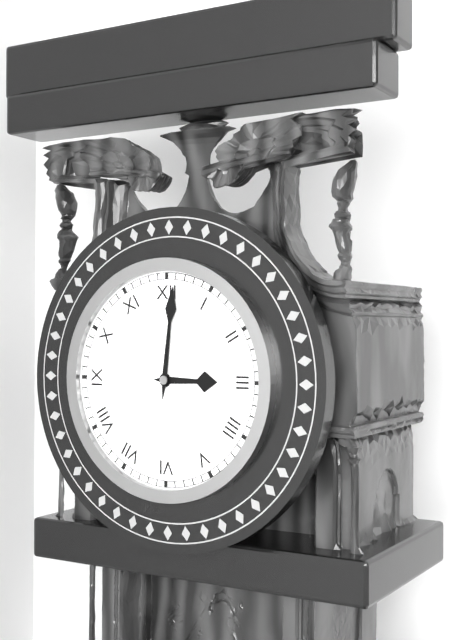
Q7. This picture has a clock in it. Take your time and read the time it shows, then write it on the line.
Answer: 3:01
